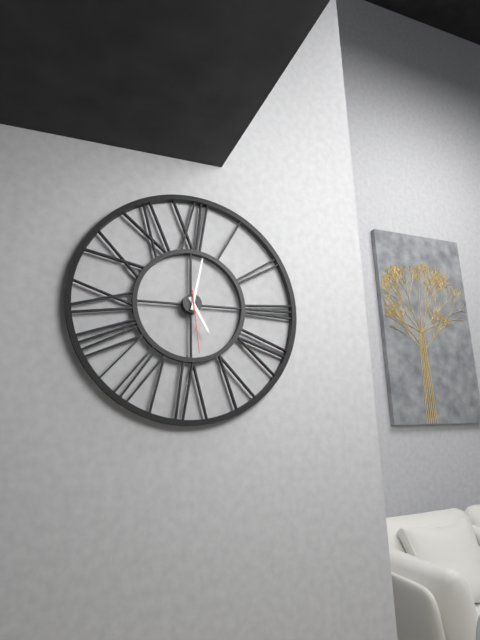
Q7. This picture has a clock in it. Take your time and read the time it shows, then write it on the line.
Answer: 5:02:29
